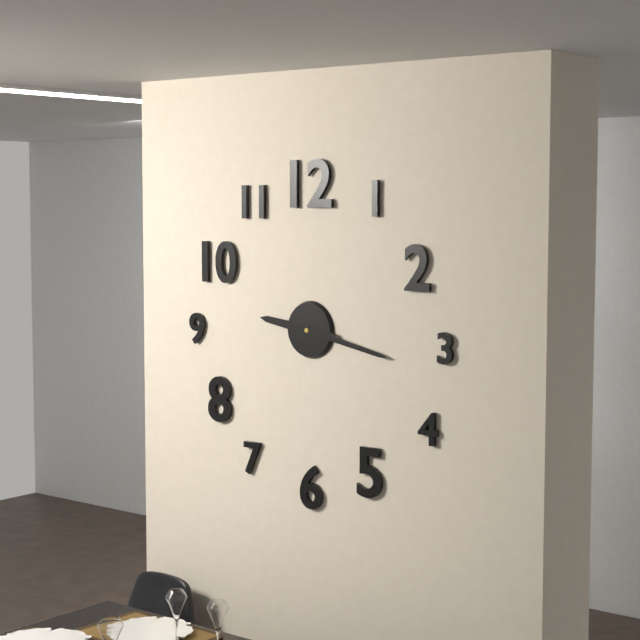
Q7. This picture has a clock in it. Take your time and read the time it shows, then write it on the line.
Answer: 9:17:17
